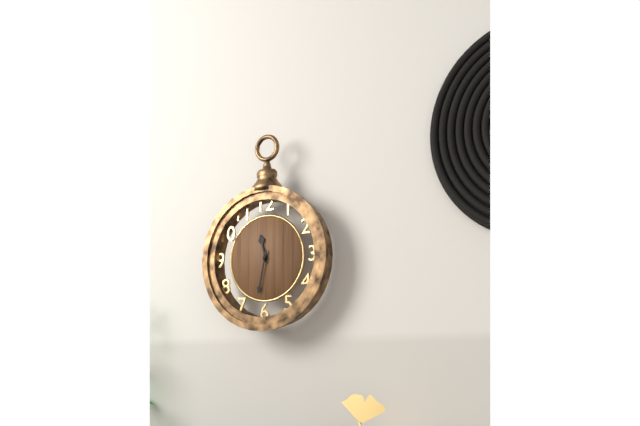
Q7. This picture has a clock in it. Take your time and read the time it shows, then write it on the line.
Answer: 11:32
